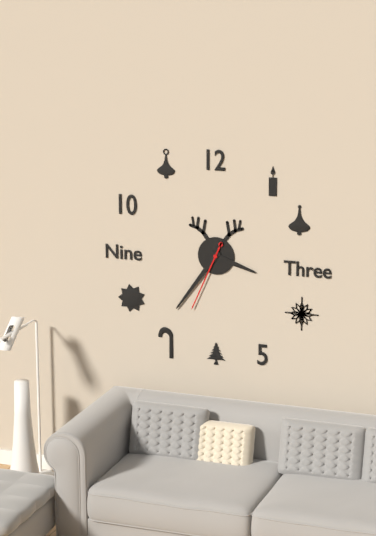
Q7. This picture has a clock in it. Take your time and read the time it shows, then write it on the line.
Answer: 3:36:34
